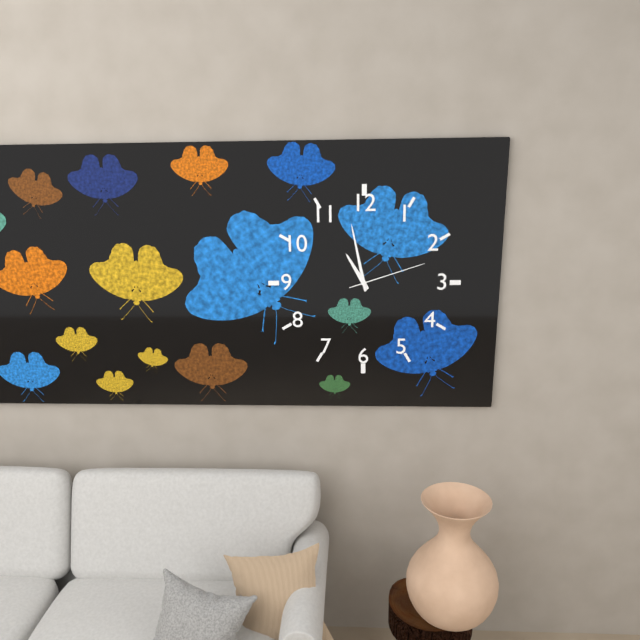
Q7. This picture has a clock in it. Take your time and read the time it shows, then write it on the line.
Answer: 10:58:12
